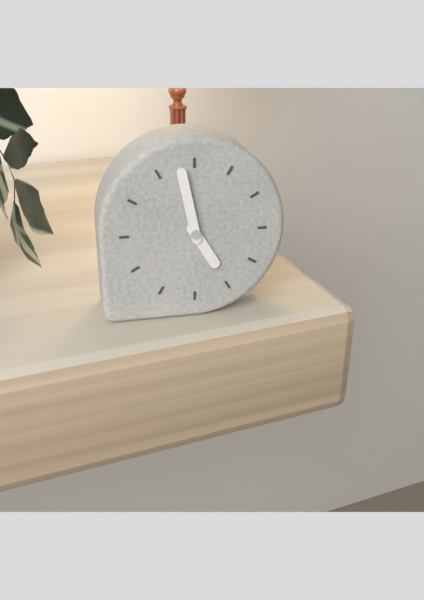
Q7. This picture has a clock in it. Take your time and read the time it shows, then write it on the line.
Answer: 4:58
